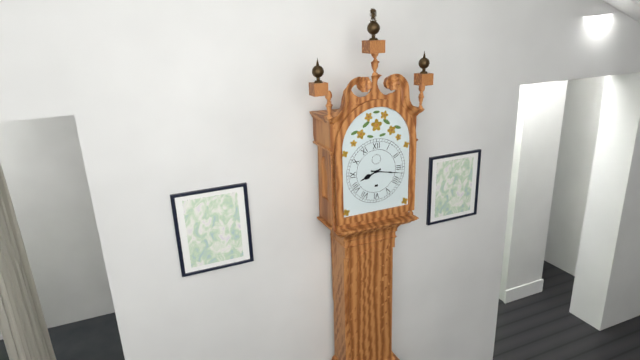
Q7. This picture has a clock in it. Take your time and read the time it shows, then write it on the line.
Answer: 8:17
